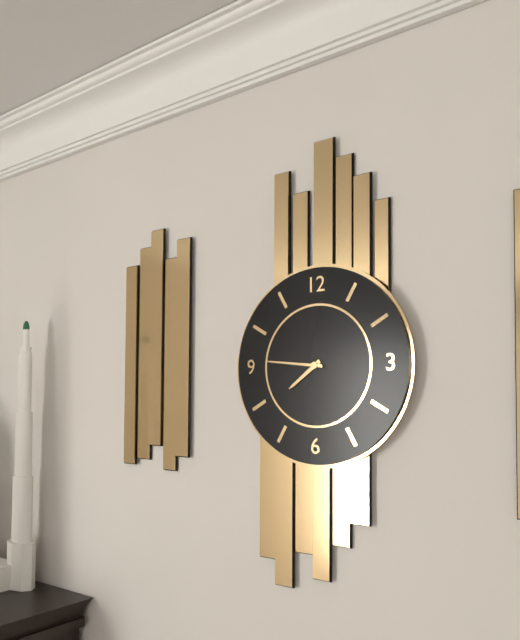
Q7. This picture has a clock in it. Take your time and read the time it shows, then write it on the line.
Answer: 7:46
